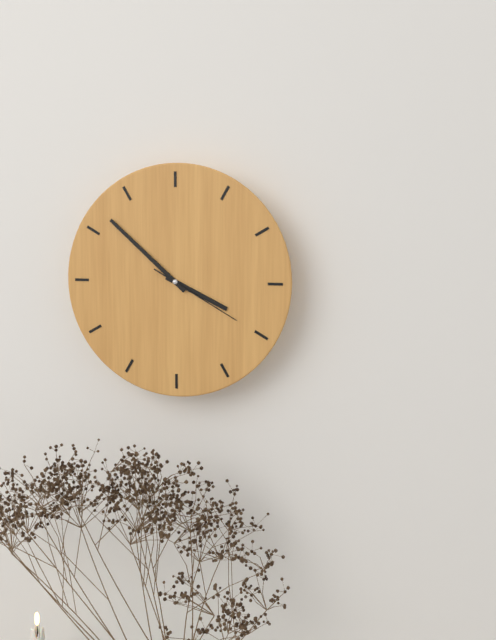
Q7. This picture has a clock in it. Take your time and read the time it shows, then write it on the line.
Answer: 3:52:20
